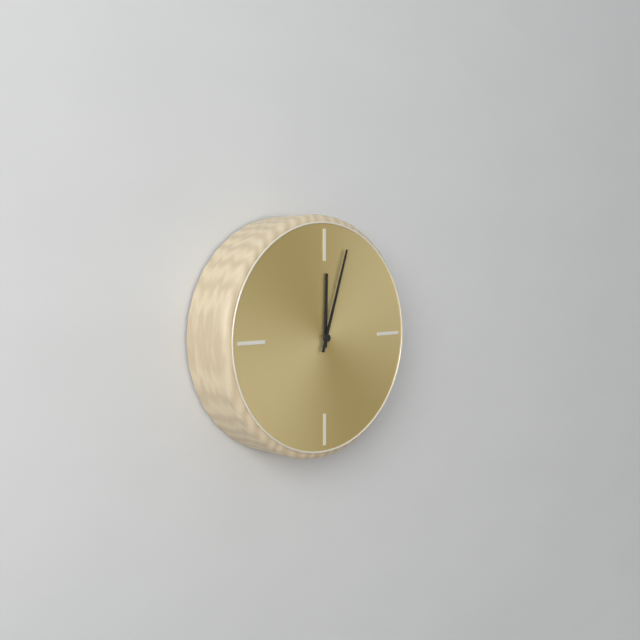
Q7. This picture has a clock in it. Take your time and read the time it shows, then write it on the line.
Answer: 12:03
